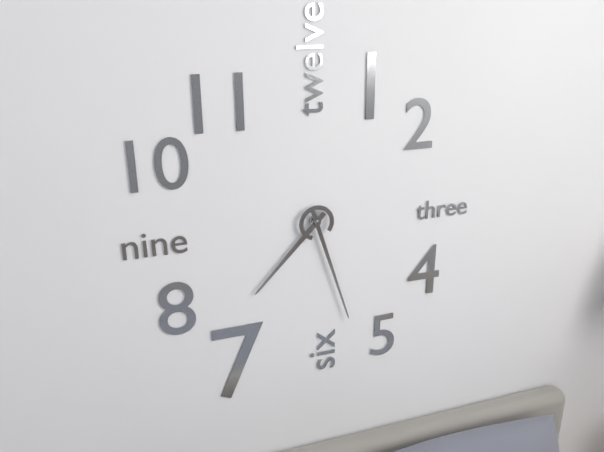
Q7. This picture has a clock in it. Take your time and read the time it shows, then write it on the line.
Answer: 7:27
